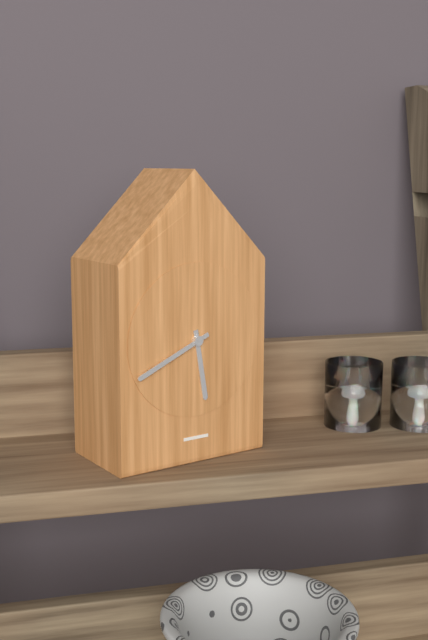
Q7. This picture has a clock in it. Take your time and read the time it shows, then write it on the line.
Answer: 5:41
